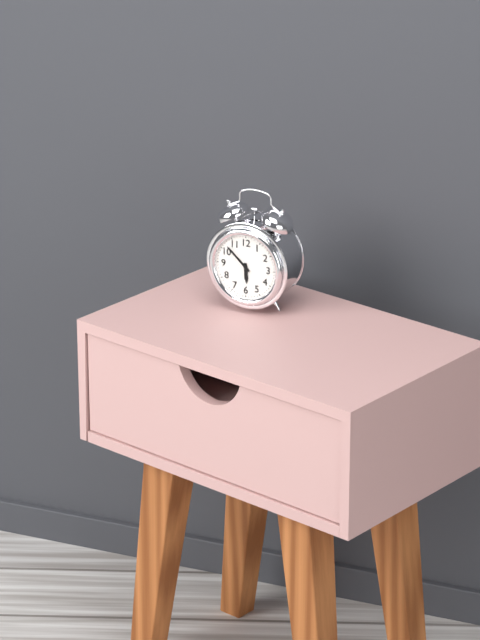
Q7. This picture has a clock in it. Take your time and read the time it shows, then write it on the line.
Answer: 5:52
